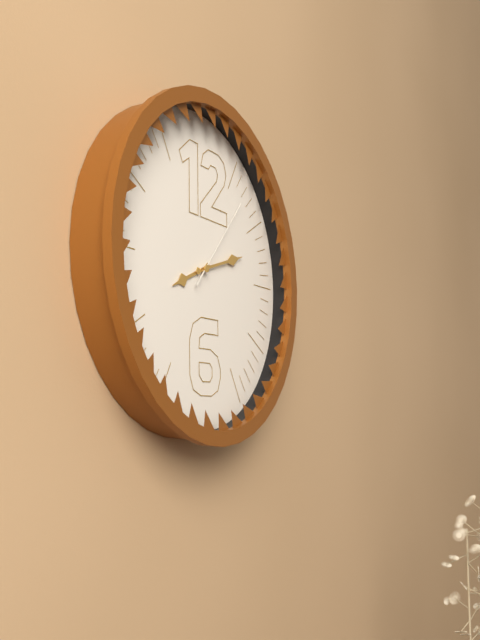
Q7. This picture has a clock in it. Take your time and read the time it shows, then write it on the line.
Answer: 8:12:07
